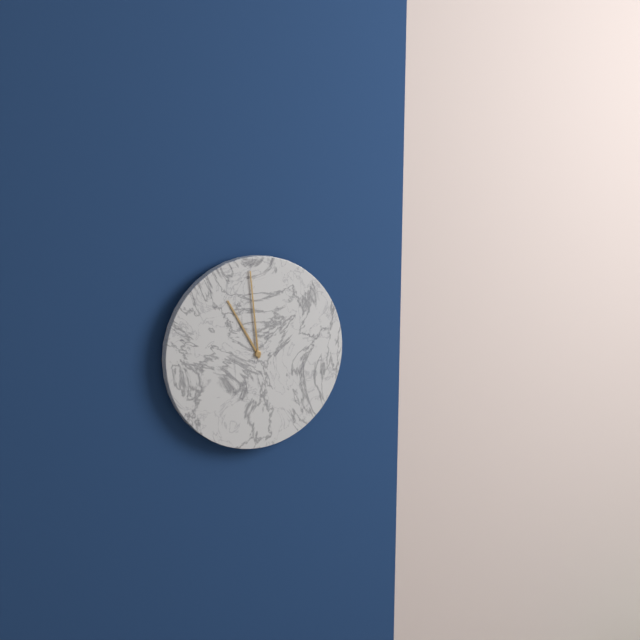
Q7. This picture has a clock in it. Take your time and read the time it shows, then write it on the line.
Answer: 10:59
